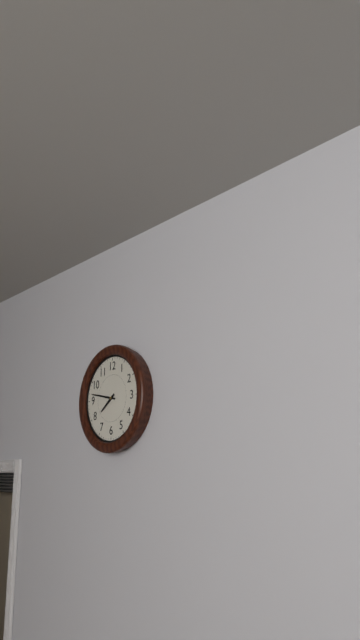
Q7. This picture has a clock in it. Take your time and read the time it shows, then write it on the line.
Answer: 7:47
